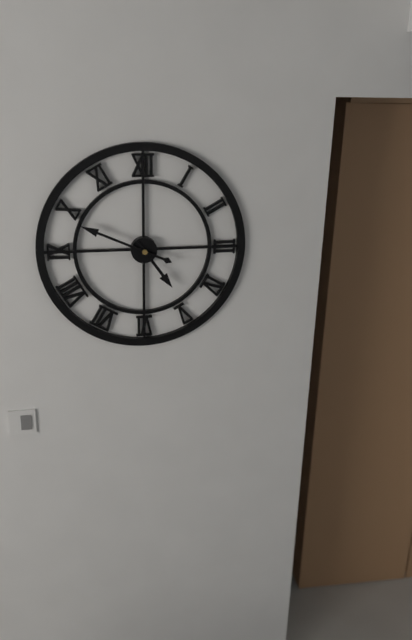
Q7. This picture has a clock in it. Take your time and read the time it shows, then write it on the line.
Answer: 4:49
